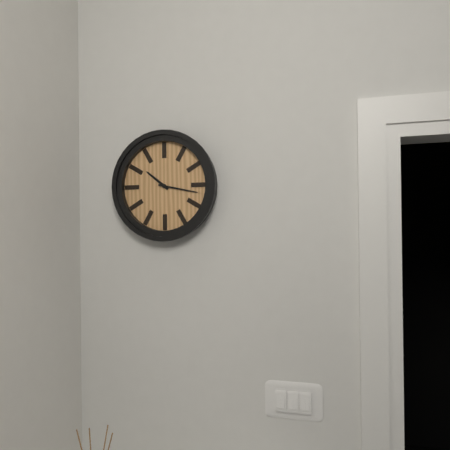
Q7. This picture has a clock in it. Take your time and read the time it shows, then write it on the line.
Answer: 10:17
